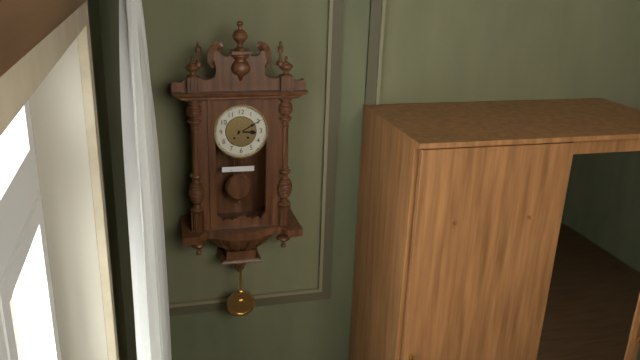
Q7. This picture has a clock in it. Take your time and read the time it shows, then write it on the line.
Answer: 3:10
